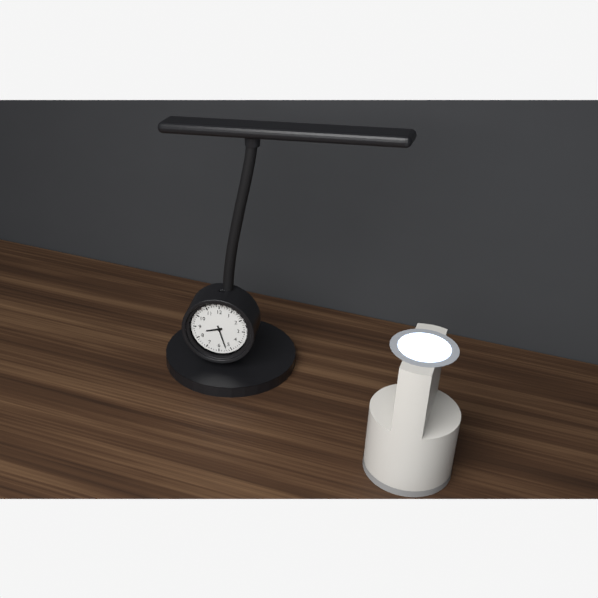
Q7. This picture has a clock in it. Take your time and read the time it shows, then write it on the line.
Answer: 8:27
